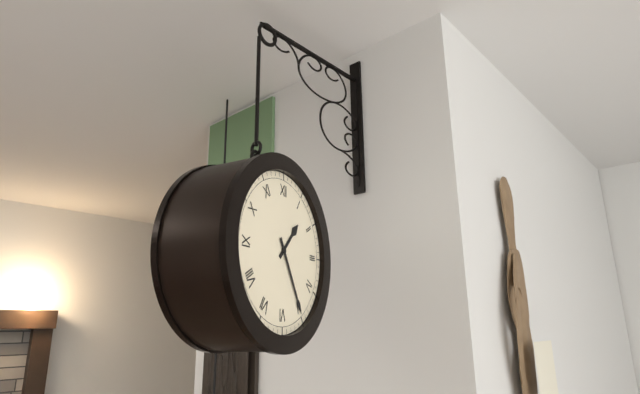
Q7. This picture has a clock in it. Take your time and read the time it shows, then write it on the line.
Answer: 1:25
